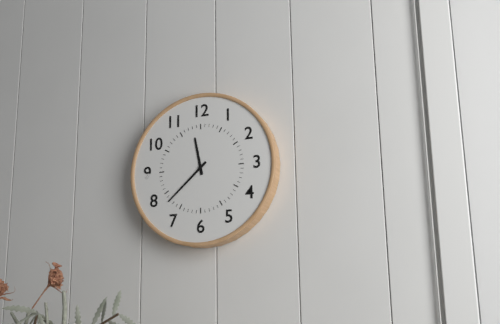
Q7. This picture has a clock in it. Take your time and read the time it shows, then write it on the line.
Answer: 11:38
